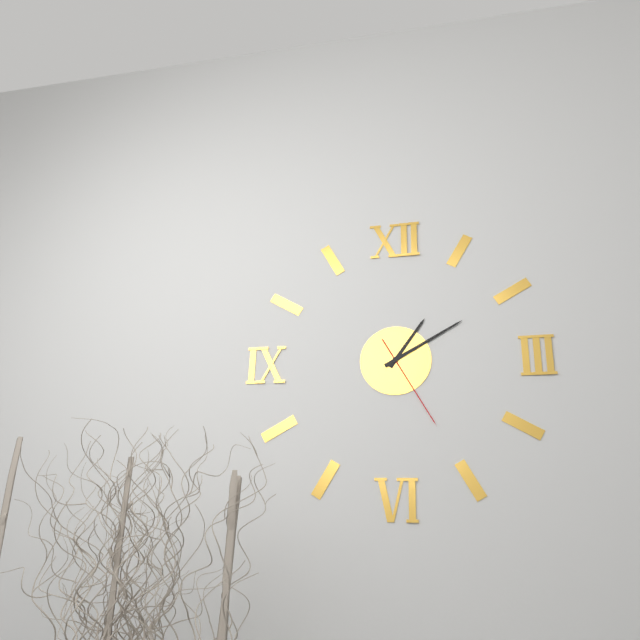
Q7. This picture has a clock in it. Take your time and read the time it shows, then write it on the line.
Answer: 1:10:25
